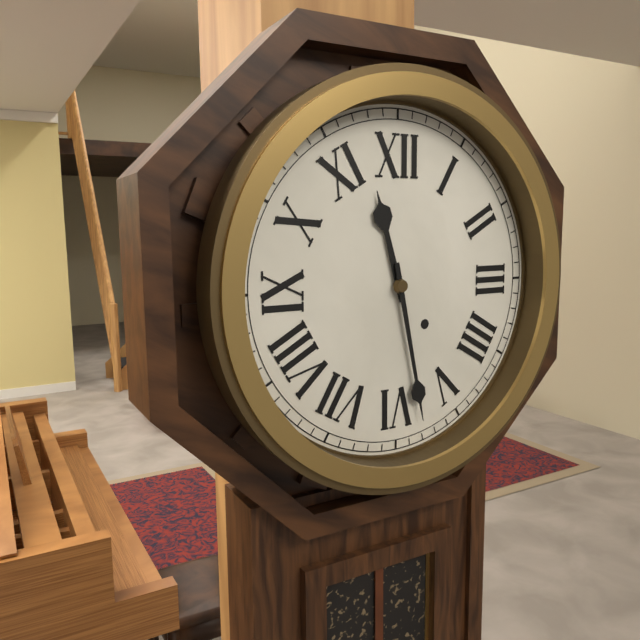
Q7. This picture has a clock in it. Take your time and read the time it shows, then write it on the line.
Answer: 11:28
